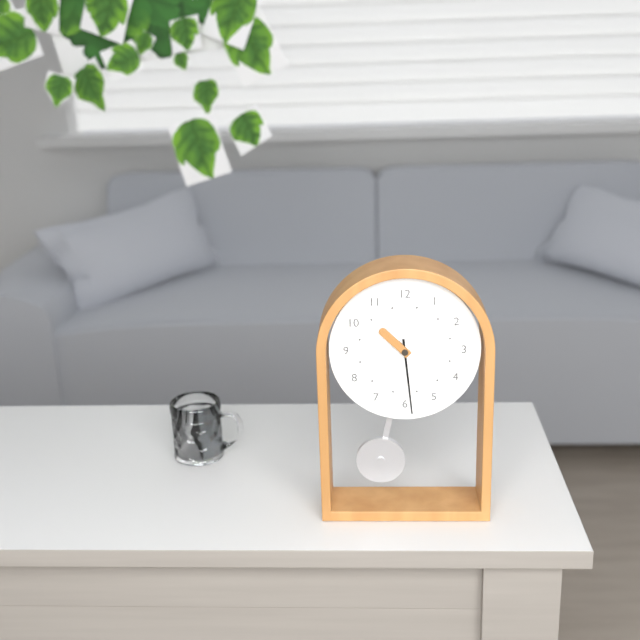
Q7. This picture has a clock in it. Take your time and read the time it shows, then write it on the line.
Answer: 10:29
